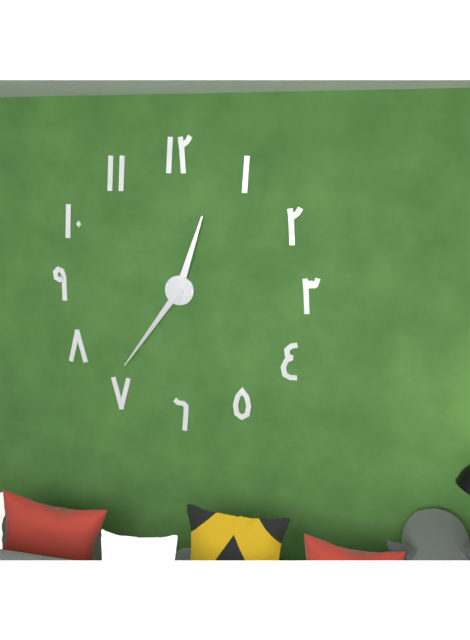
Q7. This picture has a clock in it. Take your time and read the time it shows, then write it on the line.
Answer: 12:36
